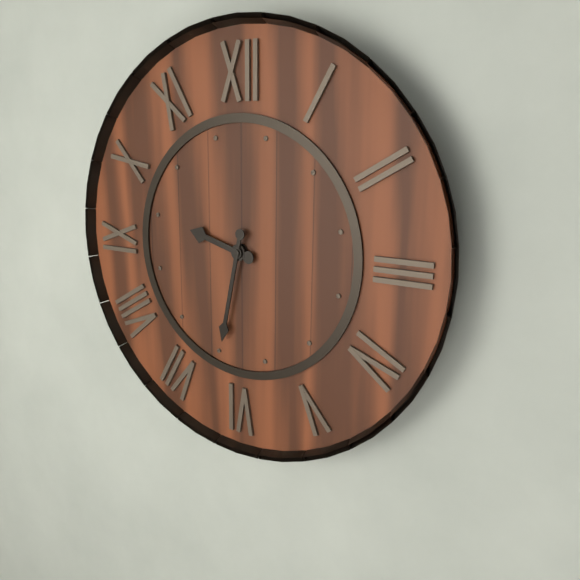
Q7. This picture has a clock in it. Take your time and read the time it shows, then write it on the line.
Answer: 9:32
